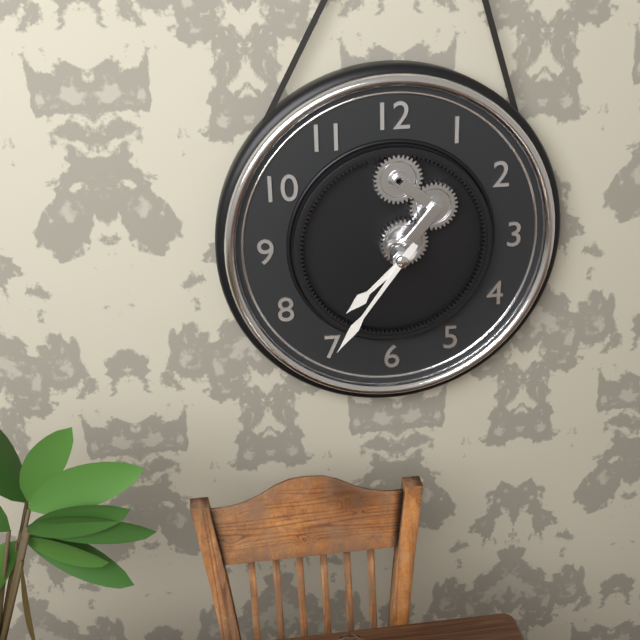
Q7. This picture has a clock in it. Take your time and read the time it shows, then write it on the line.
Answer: 7:36
